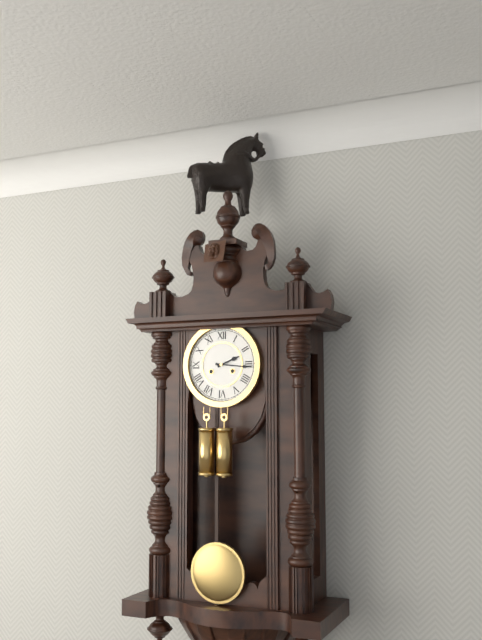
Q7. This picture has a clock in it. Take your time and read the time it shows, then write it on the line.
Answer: 2:16
